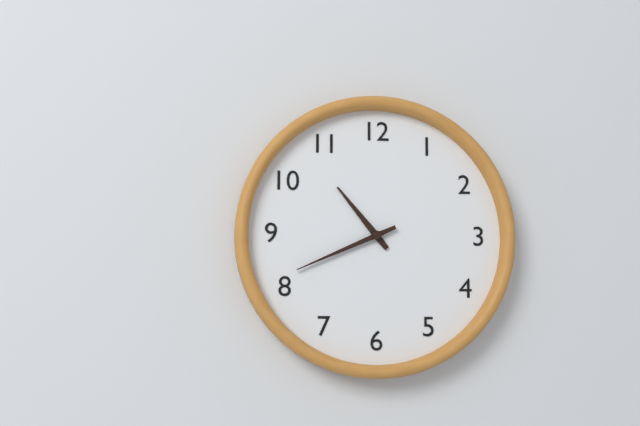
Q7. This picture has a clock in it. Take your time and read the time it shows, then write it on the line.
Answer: 10:41
